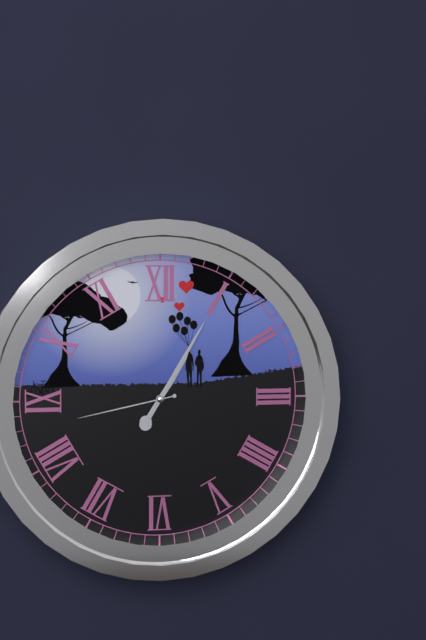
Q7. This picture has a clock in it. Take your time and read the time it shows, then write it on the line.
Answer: 1:05:43
